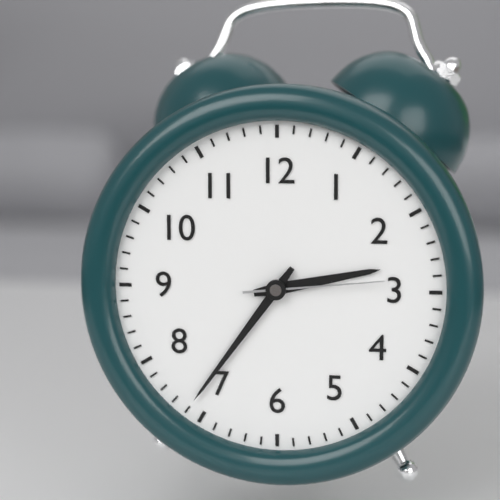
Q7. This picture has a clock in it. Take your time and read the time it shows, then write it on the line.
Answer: 2:36:14
